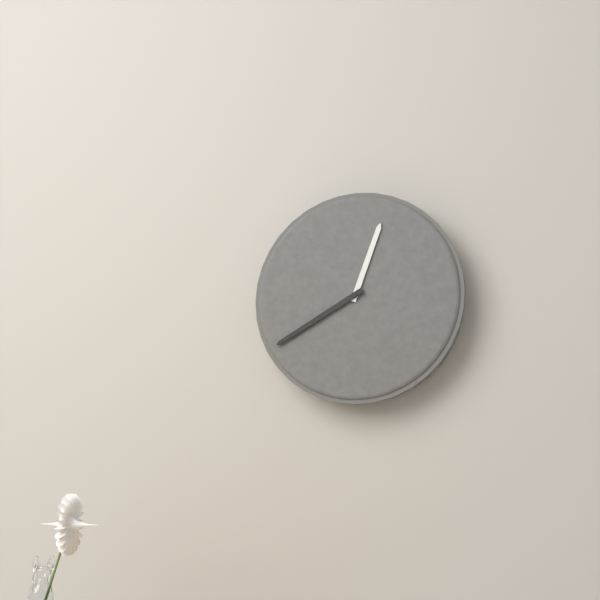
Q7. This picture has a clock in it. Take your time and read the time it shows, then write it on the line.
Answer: 12:40
